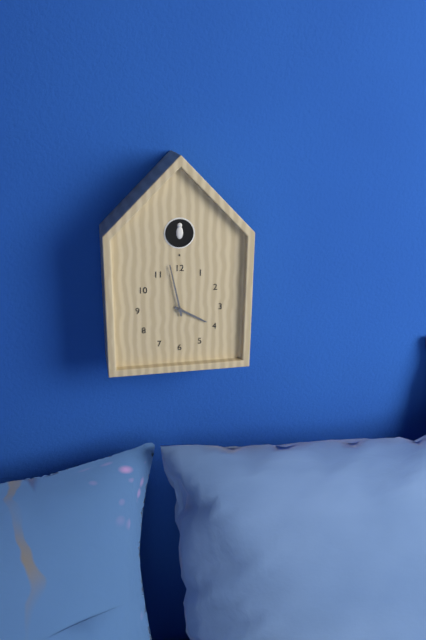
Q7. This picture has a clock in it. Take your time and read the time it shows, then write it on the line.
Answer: 3:58
